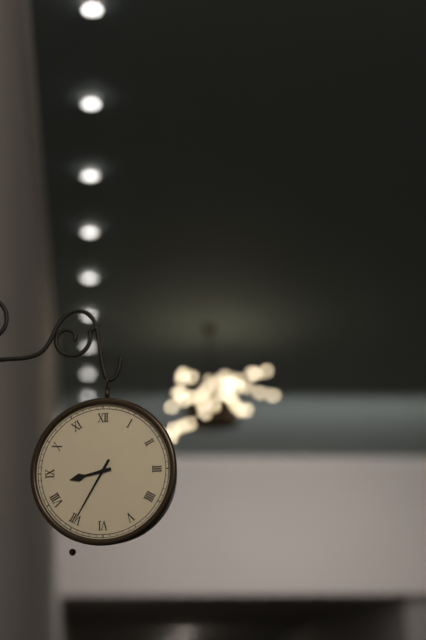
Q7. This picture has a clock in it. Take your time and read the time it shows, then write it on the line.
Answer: 8:35
